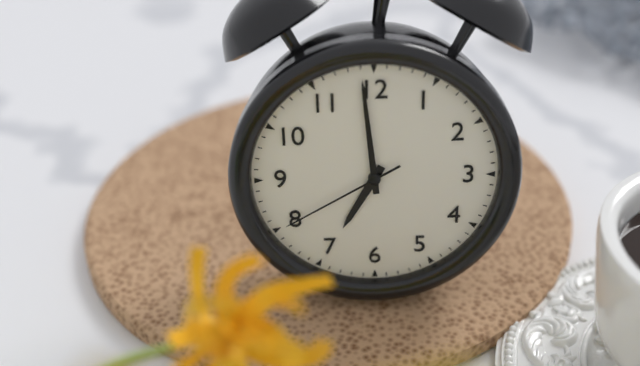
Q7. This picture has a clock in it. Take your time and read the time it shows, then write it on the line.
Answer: 6:59:40
